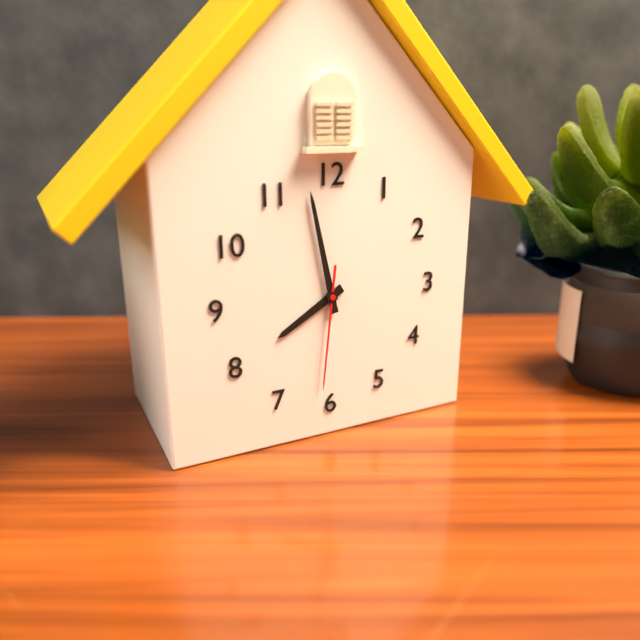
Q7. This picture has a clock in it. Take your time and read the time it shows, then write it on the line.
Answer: 7:58:31
